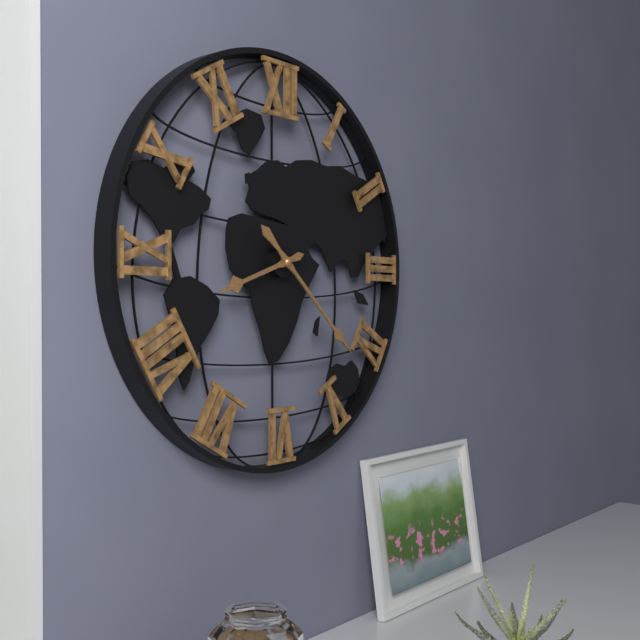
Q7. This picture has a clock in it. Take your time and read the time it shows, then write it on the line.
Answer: 8:22
